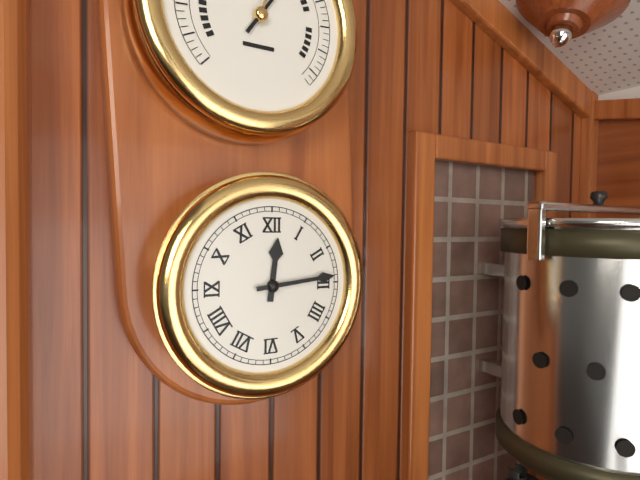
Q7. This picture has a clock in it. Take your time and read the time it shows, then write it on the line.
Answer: 12:14
